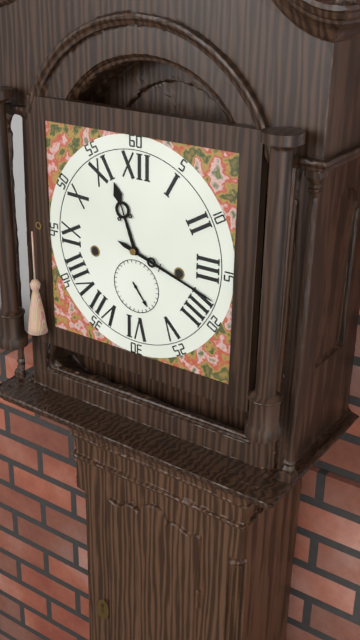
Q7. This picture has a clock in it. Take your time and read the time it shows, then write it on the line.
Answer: 11:18
